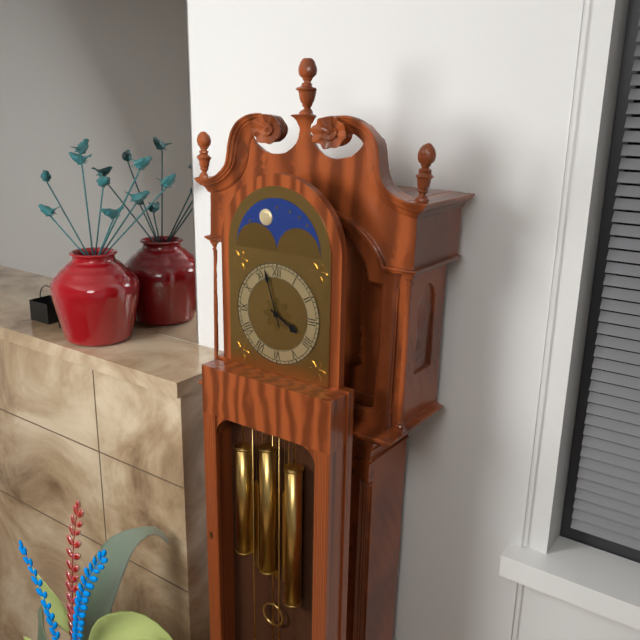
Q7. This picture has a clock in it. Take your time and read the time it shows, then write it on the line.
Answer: 3:57
